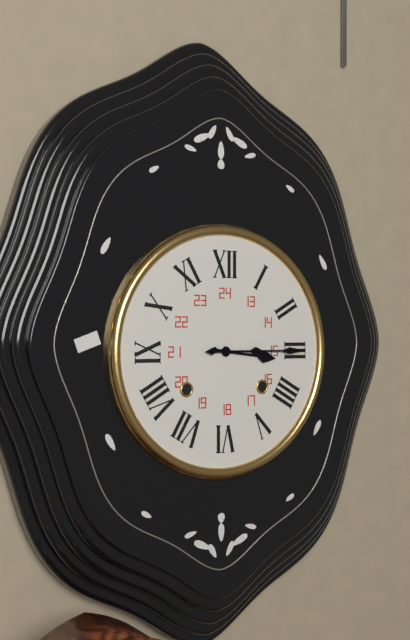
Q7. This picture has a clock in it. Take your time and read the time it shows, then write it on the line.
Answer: 3:15
